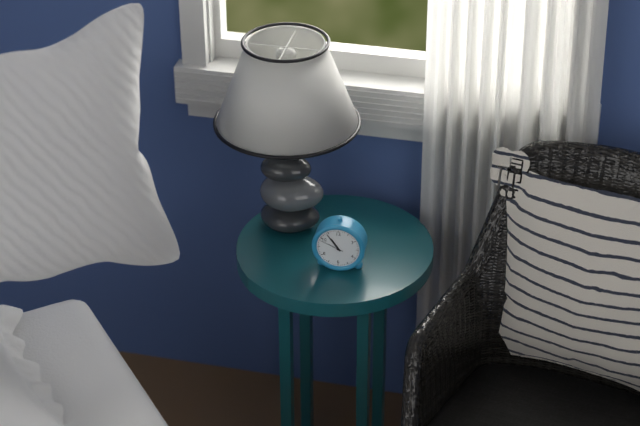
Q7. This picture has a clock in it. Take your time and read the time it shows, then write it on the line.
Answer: 10:54
